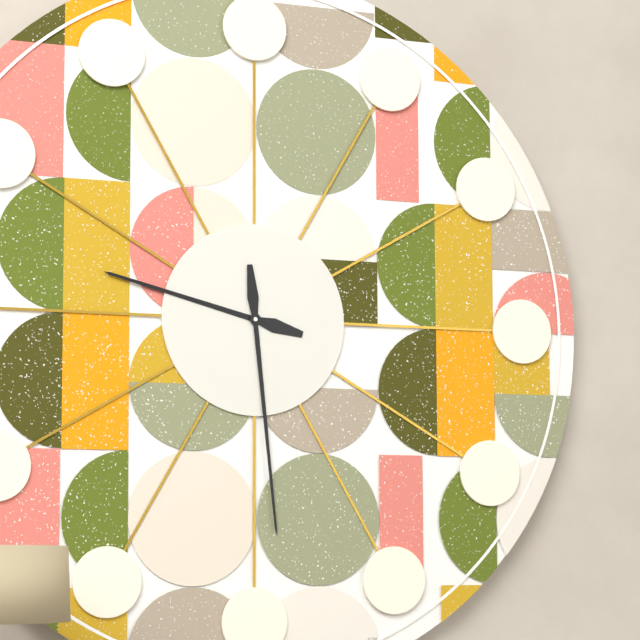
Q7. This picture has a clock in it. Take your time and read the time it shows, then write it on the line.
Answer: 9:29
